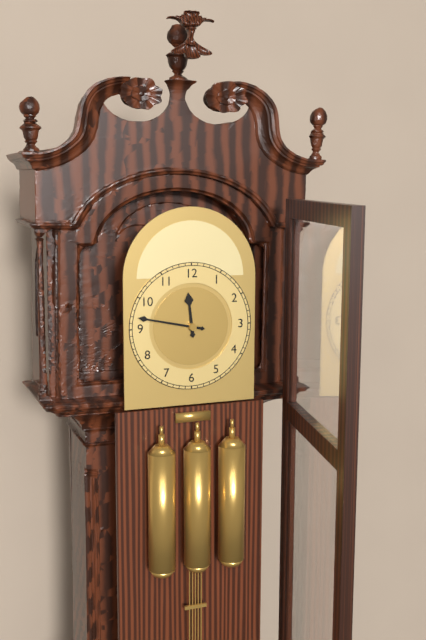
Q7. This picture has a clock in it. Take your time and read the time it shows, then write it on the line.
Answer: 11:47
